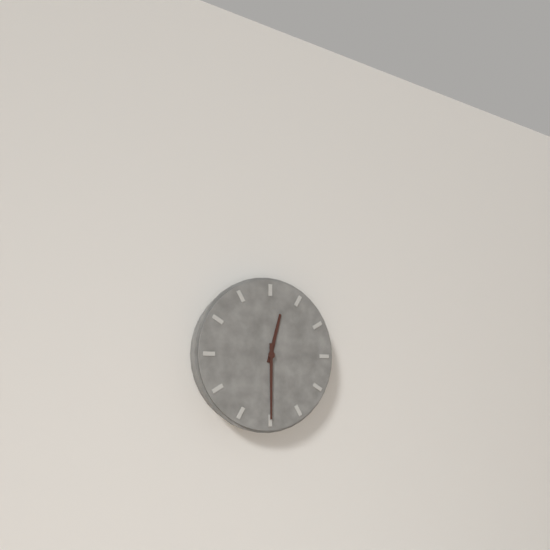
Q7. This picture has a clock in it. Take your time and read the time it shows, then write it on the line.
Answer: 12:30
